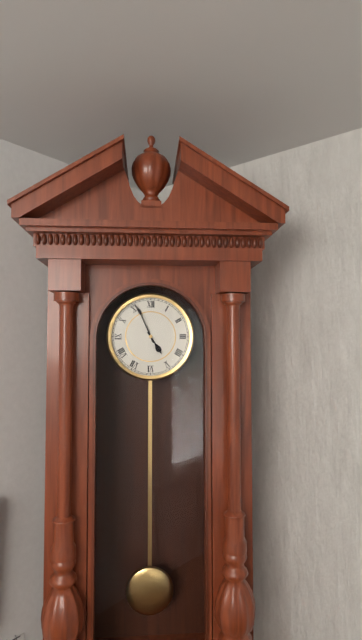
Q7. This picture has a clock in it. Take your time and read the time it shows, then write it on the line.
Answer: 4:56
